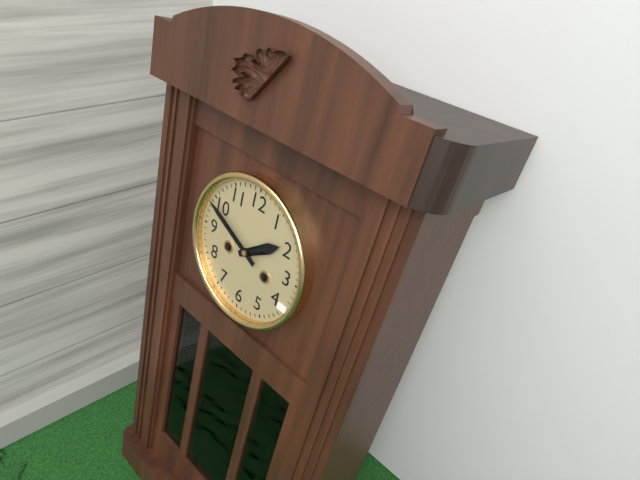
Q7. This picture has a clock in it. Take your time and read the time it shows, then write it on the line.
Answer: 1:49
